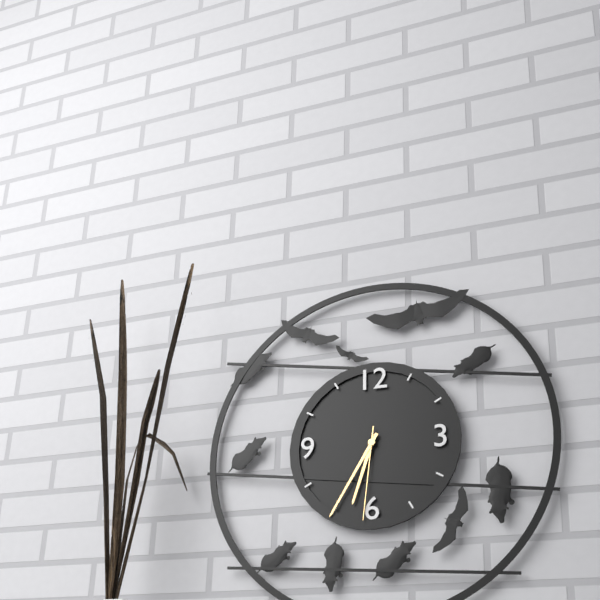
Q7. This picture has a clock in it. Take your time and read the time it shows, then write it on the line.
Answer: 6:35:31
